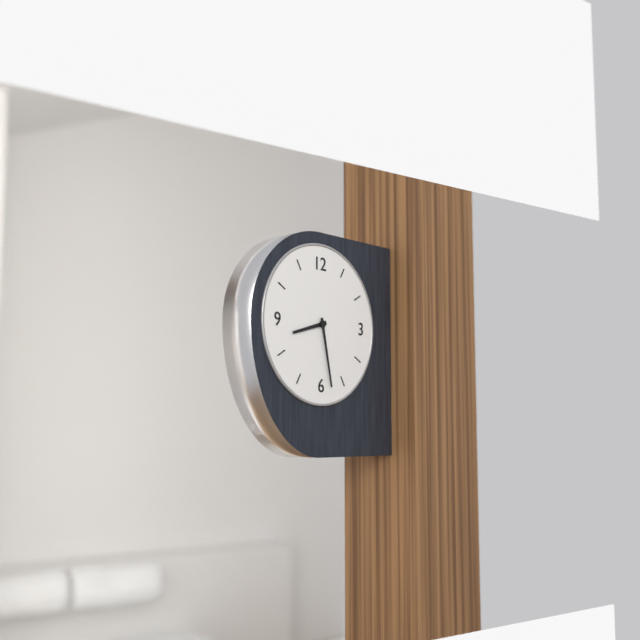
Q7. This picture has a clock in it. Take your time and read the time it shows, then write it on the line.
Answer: 8:28
